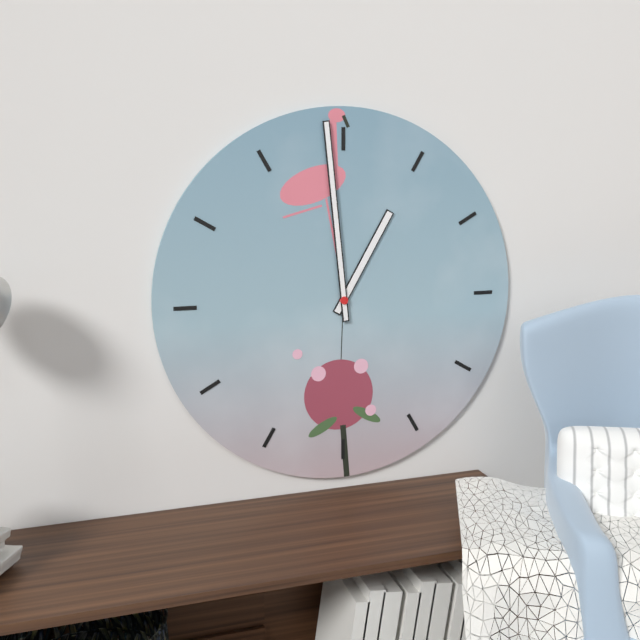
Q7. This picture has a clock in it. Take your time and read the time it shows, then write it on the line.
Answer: 12:59
